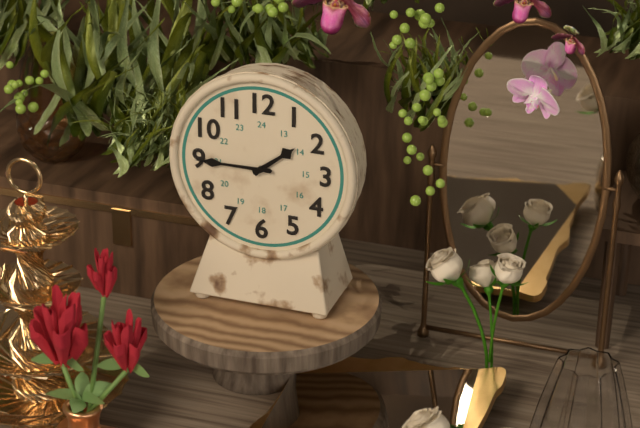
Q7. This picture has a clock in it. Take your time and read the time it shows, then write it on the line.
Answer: 1:45
